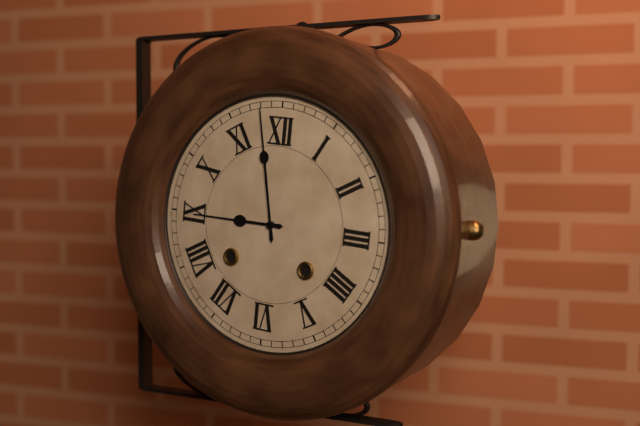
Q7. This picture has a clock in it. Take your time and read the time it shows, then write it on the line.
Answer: 8:58
